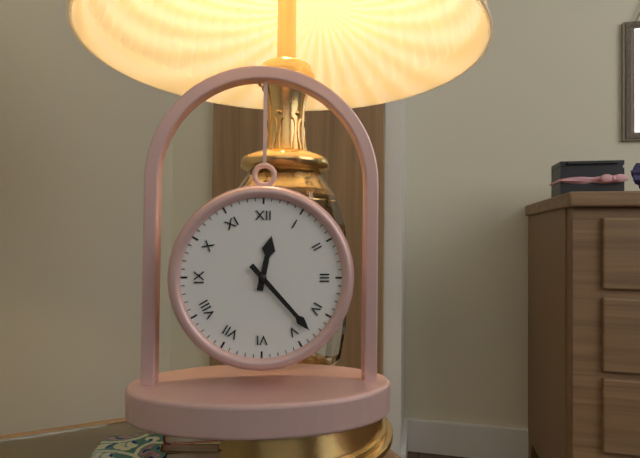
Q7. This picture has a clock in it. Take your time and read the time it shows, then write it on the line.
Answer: 12:23
